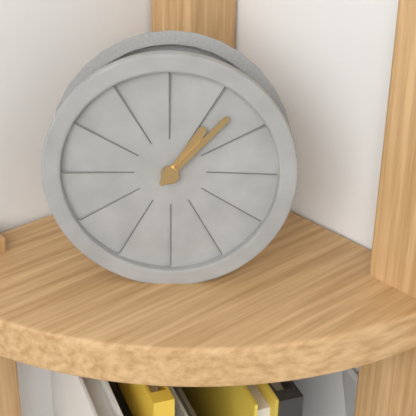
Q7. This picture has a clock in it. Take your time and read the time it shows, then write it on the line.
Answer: 1:07
